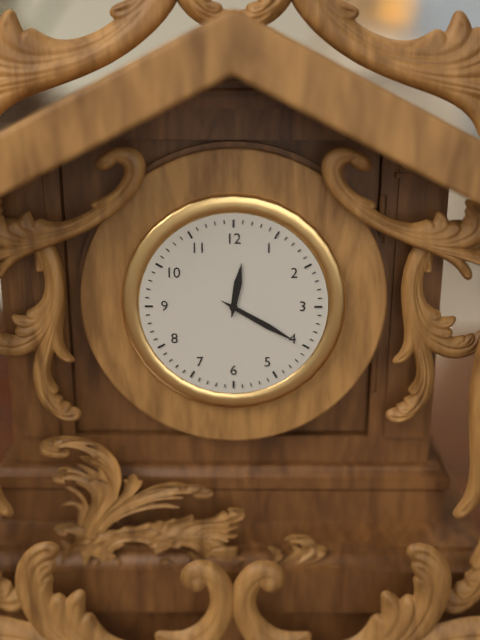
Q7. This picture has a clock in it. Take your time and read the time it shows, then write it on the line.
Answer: 12:20
